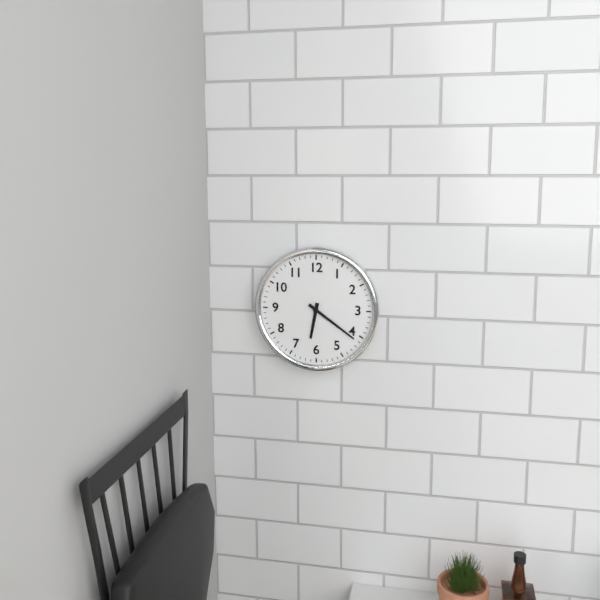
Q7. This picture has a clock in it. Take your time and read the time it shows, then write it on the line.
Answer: 6:21
